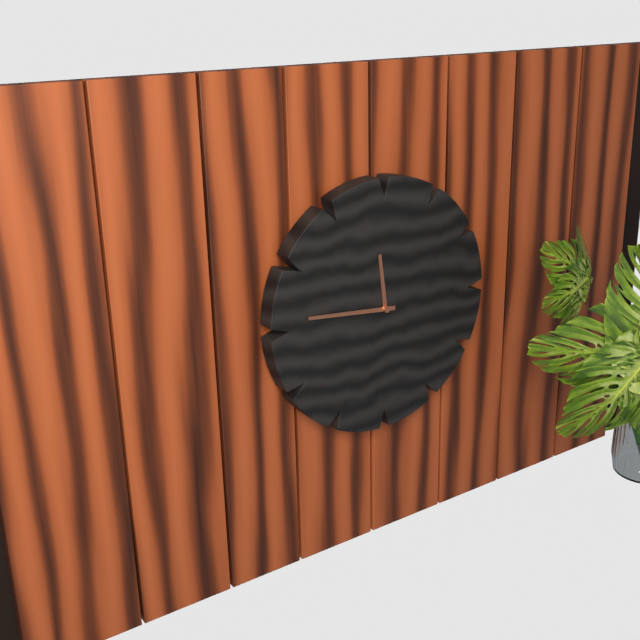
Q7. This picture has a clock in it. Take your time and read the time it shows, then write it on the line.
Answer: 11:46
